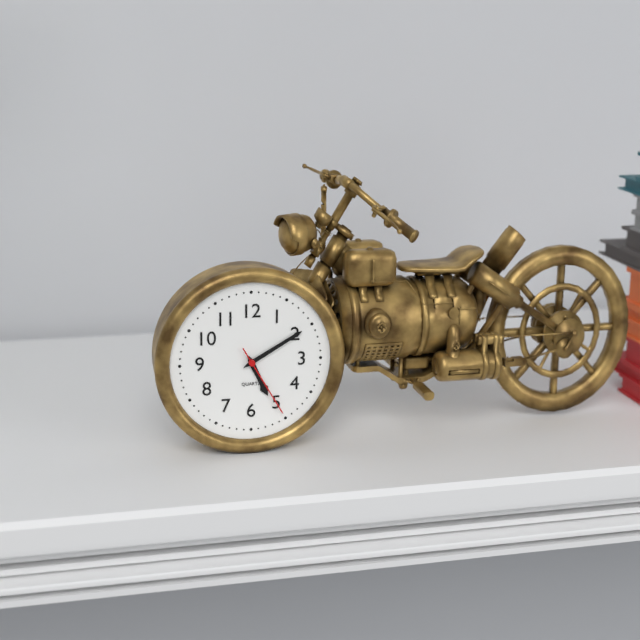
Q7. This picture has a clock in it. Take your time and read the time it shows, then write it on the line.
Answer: 5:10:25
